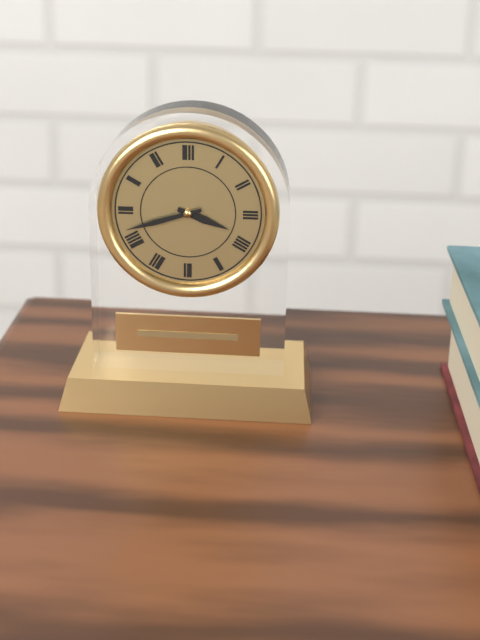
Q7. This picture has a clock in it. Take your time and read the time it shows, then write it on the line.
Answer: 3:42
